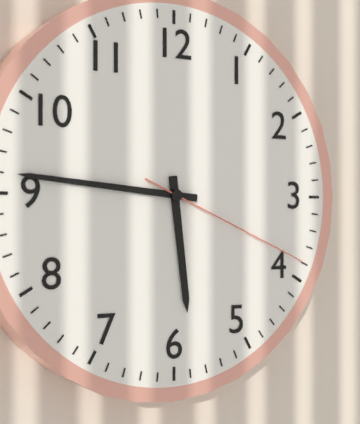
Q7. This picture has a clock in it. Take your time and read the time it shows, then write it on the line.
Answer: 5:46:19
